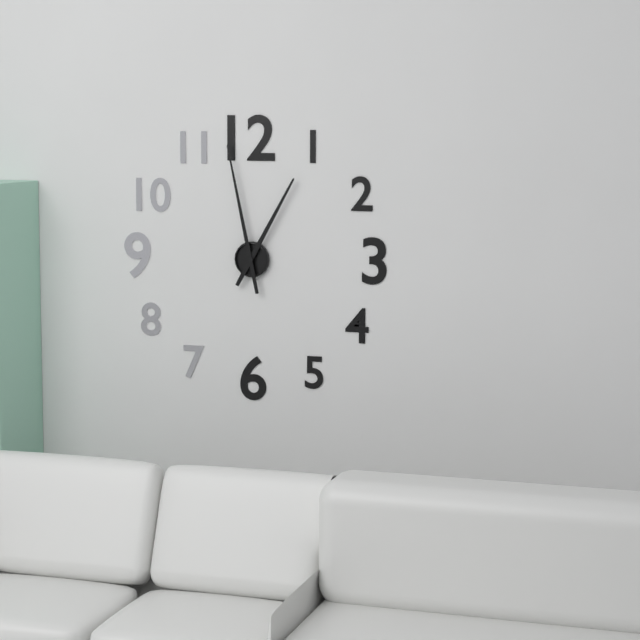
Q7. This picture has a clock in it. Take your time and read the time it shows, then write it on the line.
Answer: 12:58
